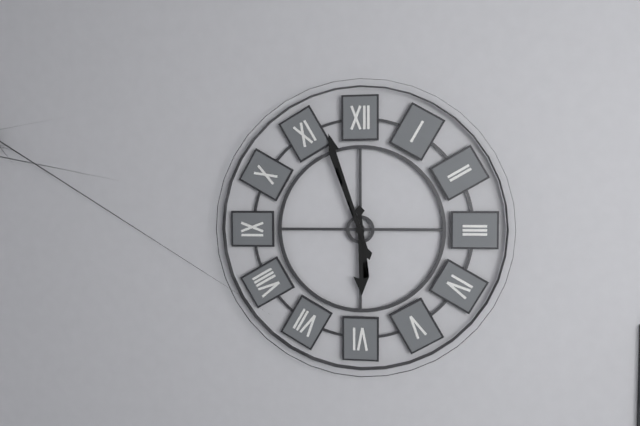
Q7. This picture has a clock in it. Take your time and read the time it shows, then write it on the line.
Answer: 5:57
